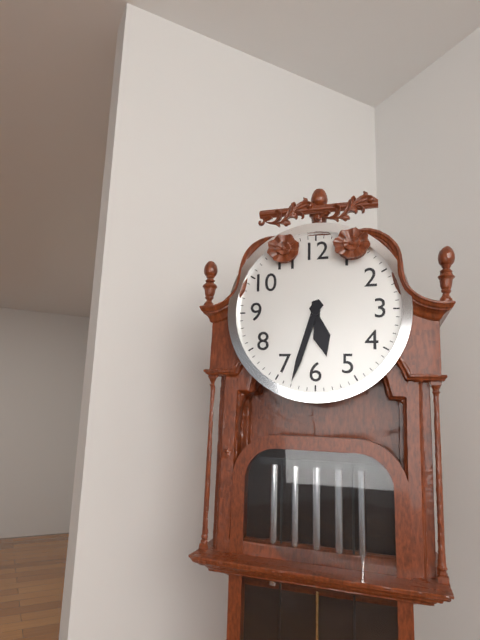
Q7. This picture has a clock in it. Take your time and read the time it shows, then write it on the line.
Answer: 5:33
